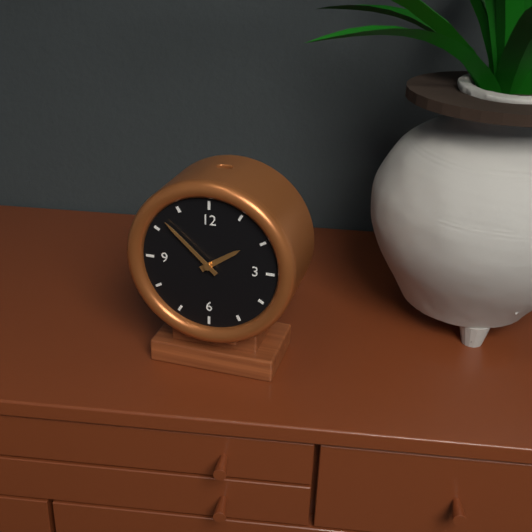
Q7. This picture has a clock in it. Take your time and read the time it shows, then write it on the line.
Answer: 1:52
